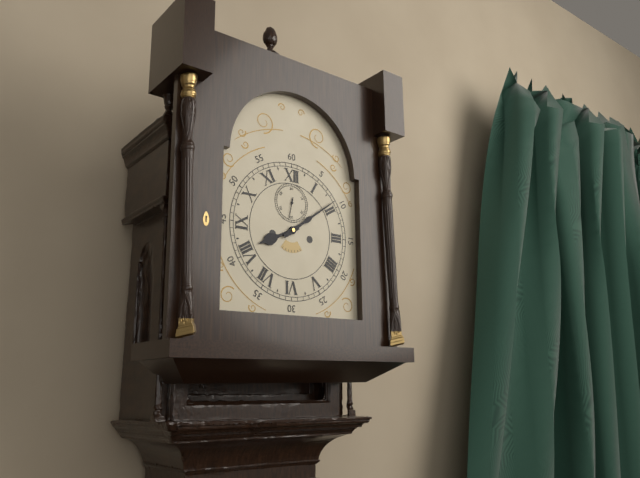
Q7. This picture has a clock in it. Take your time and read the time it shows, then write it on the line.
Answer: 8:09
